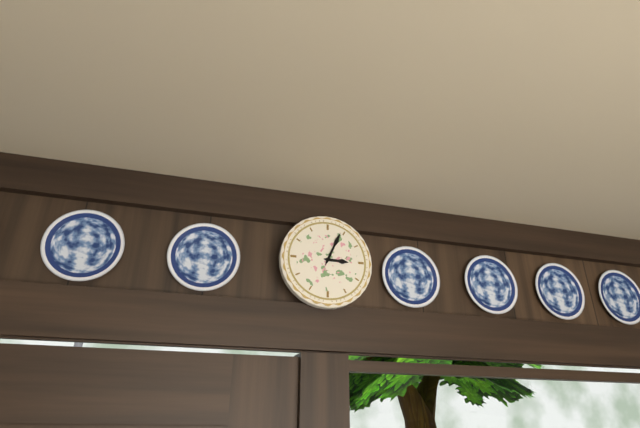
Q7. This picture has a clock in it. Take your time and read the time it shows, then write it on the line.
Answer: 3:04
